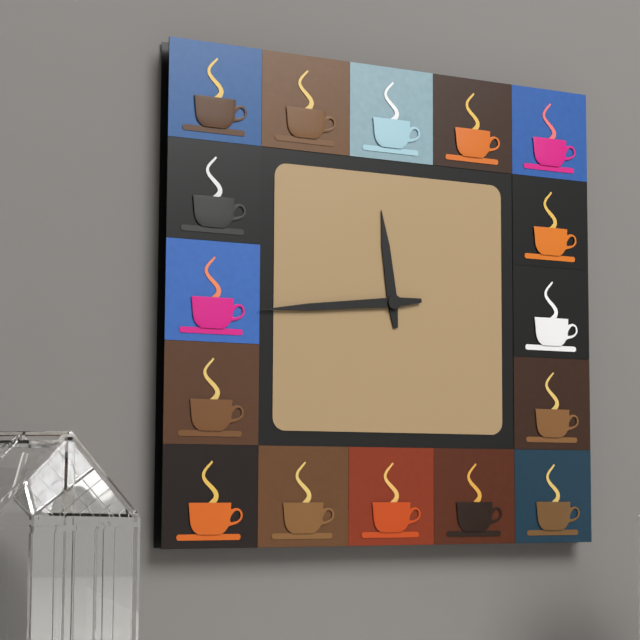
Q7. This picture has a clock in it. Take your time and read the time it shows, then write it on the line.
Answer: 11:44
